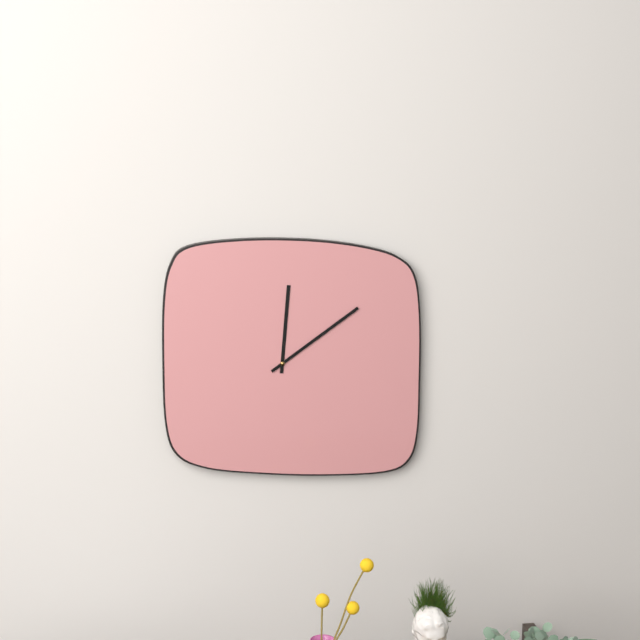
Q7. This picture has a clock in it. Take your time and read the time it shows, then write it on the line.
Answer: 12:09
